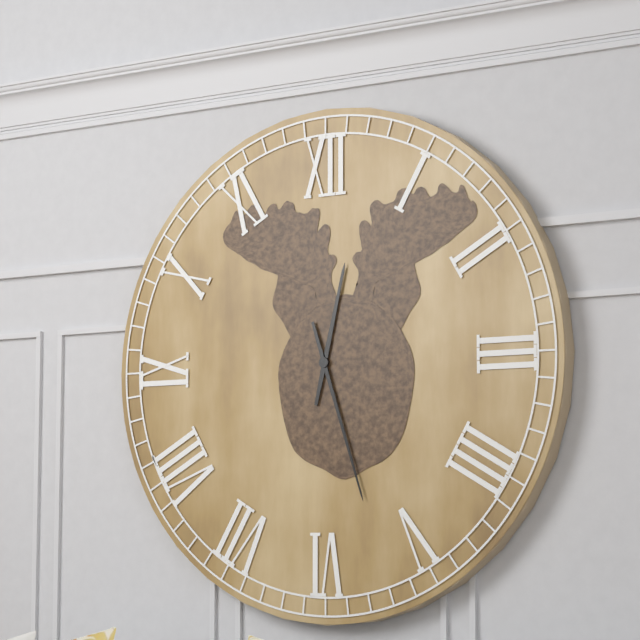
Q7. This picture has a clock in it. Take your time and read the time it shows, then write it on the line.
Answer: 12:27
